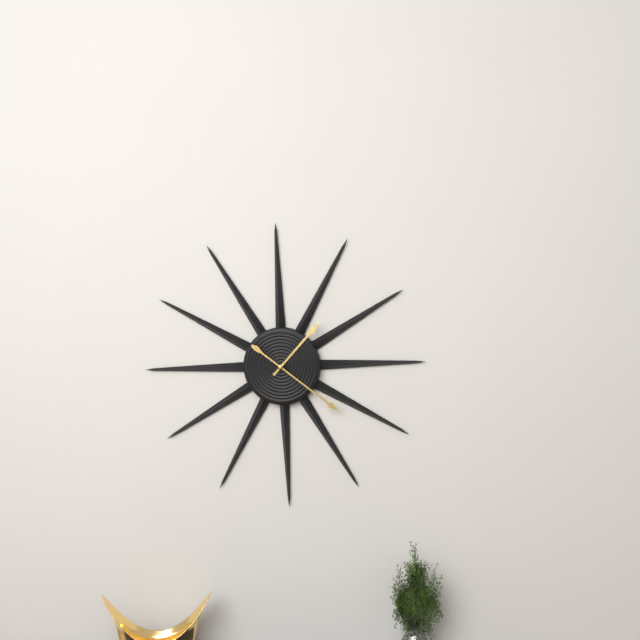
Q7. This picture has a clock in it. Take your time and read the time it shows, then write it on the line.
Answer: 1:21
